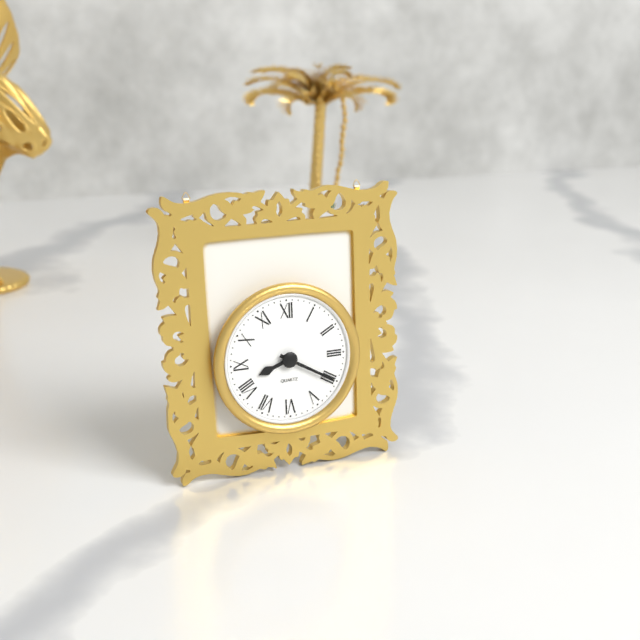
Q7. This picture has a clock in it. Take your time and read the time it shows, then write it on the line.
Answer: 8:20
